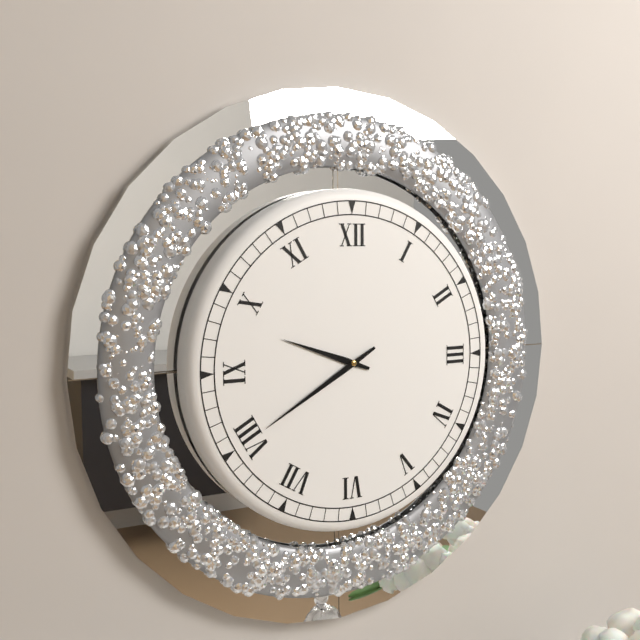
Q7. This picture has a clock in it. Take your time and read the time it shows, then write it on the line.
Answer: 9:40
